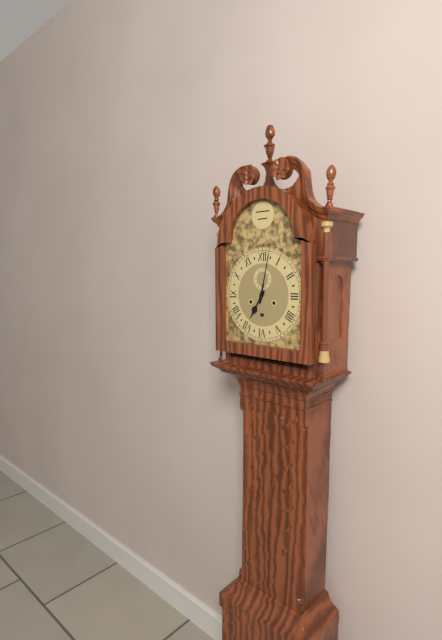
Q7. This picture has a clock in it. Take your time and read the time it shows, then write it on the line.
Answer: 7:02
